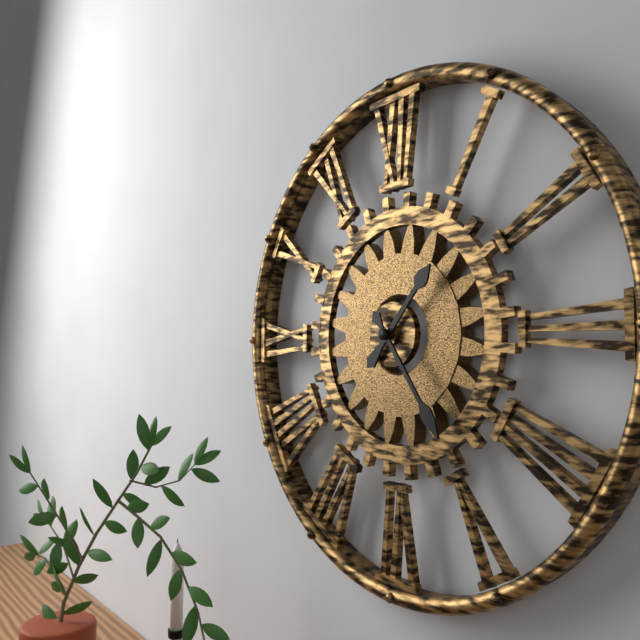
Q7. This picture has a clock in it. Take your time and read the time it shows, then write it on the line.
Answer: 1:24
